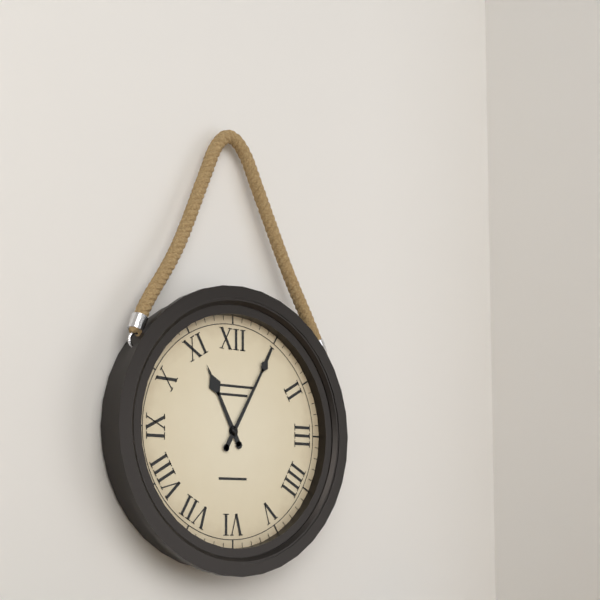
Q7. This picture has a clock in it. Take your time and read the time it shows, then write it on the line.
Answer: 11:05
